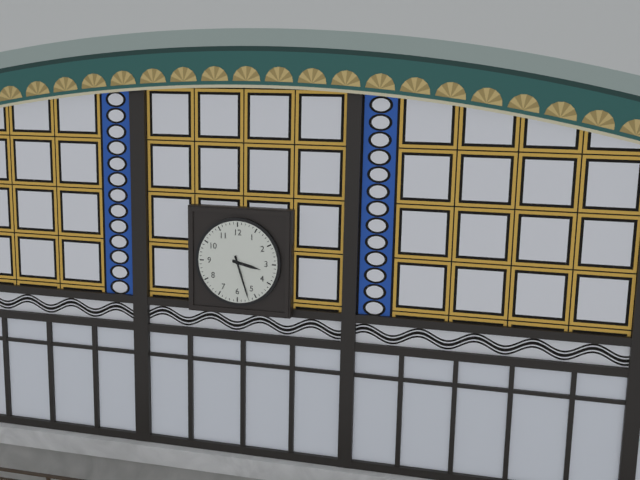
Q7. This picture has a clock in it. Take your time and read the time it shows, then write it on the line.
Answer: 3:27
